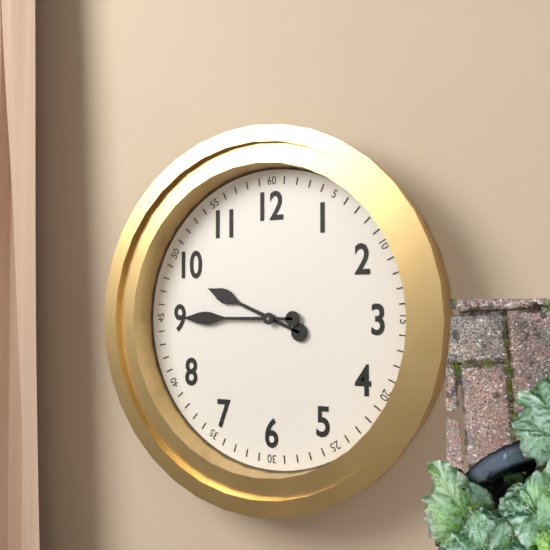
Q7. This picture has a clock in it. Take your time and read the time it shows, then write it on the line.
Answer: 9:45
